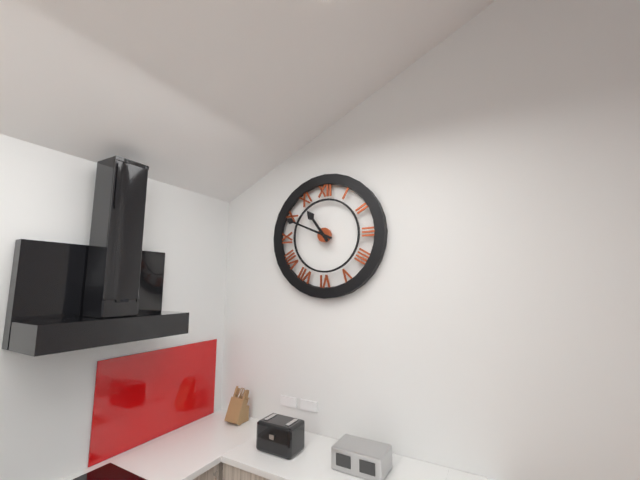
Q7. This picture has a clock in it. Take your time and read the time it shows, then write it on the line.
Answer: 10:49
